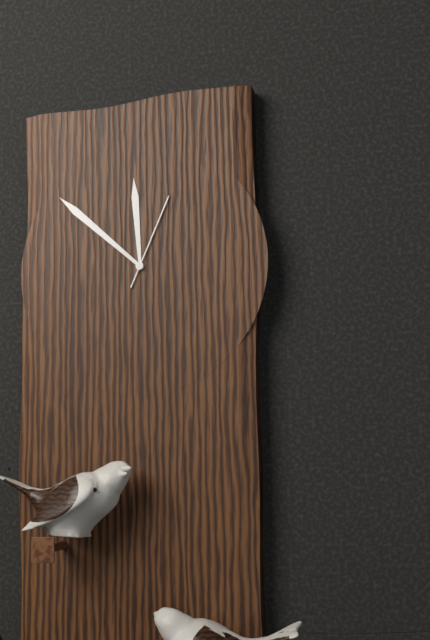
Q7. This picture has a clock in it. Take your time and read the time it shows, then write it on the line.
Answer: 11:52:04
